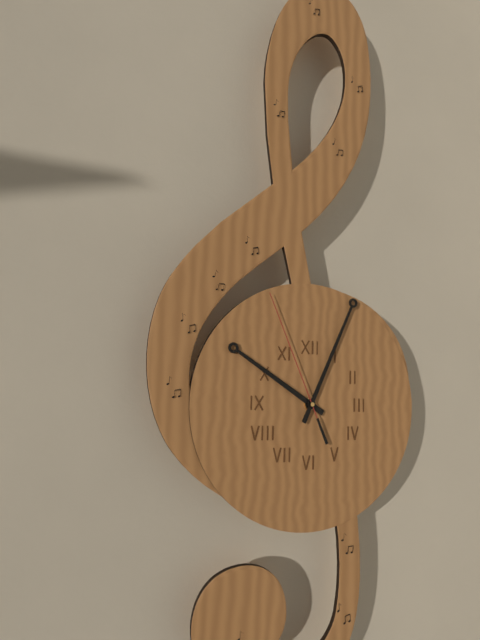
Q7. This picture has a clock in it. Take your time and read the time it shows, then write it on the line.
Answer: 10:04:56
